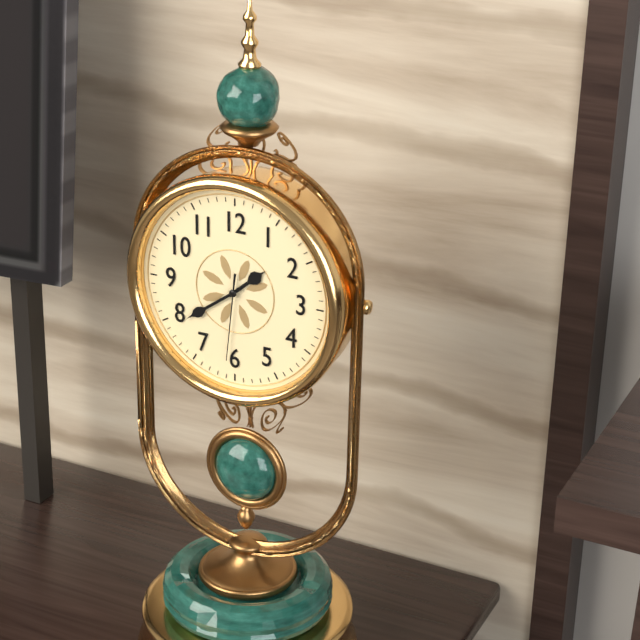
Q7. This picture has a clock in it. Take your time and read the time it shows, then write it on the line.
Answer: 1:39:31
